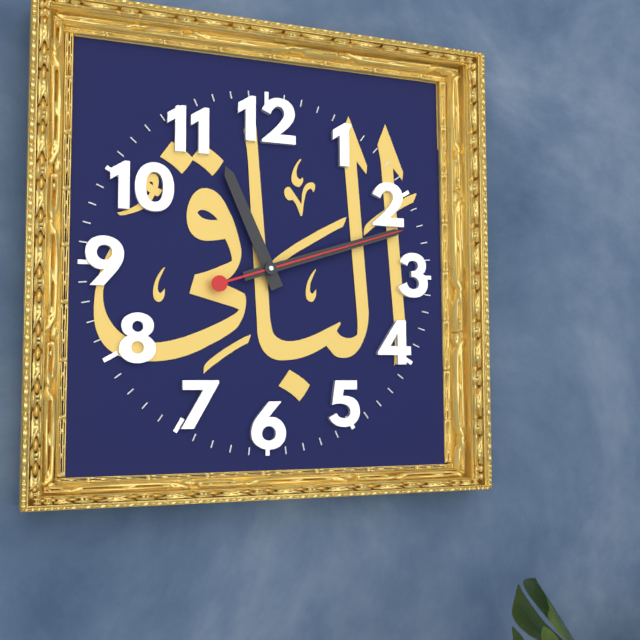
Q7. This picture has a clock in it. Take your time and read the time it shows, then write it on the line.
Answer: 11:12:12
